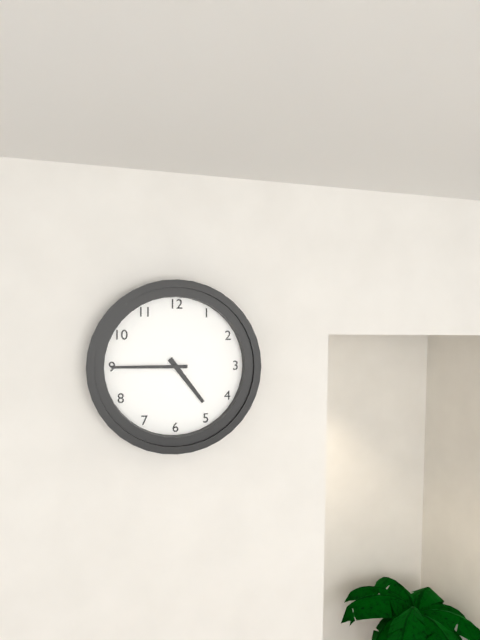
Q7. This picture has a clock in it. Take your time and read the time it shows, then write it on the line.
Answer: 4:45
